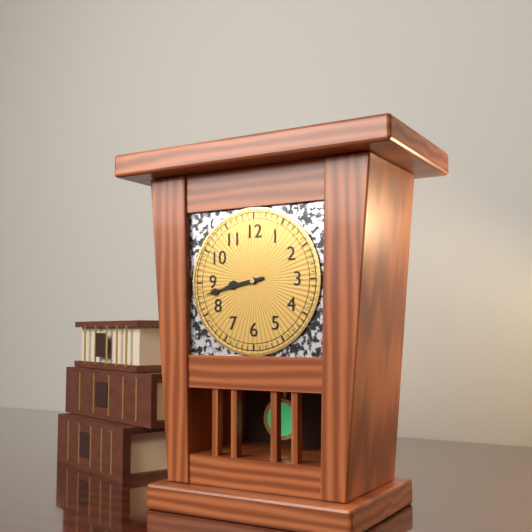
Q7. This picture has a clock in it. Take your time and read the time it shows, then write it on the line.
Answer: 8:43
